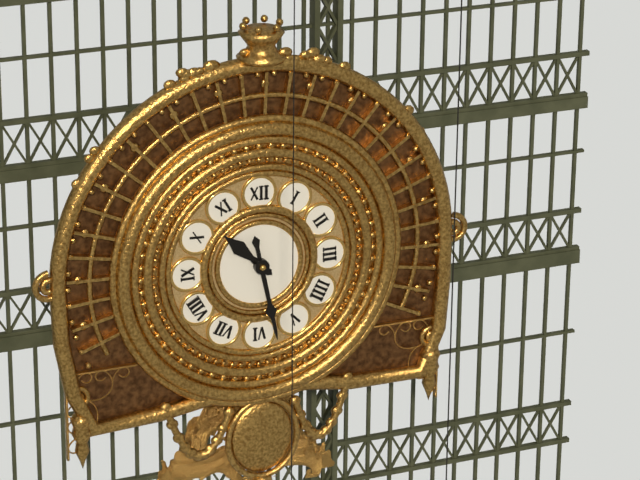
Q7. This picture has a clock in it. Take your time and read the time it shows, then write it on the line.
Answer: 10:28
